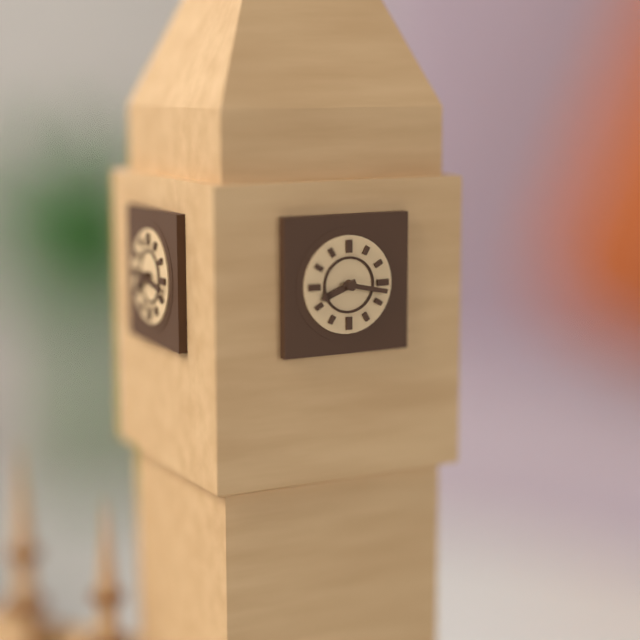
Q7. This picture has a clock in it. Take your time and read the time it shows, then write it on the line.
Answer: 8:17
